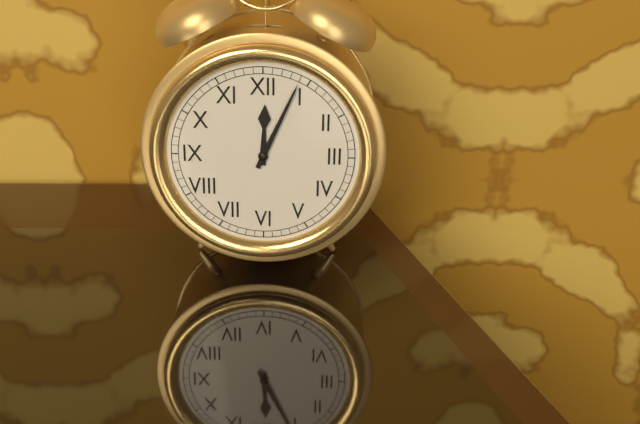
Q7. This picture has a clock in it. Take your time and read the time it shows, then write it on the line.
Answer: 12:04
